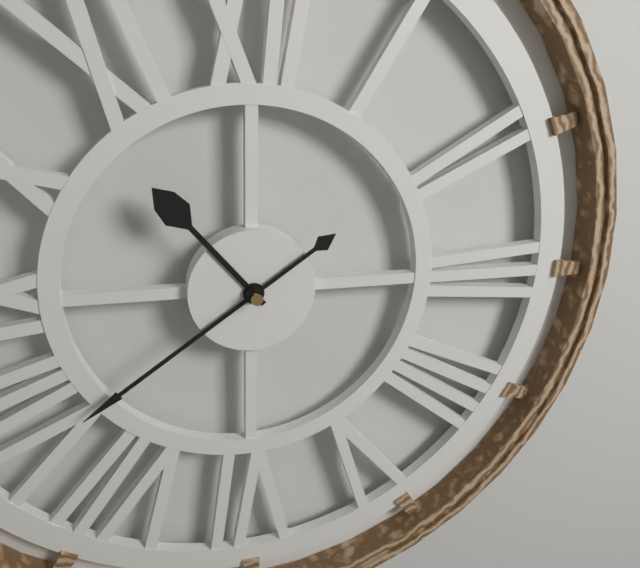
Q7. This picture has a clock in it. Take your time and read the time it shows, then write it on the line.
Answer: 10:39
